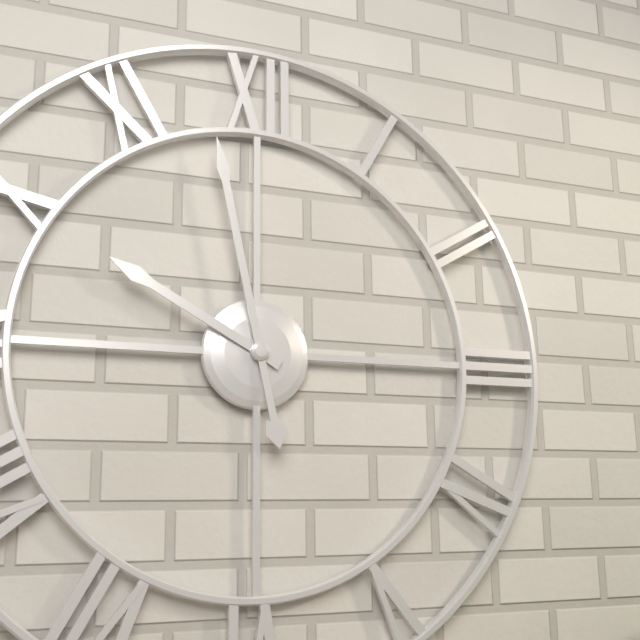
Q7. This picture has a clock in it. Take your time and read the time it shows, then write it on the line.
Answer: 9:58
